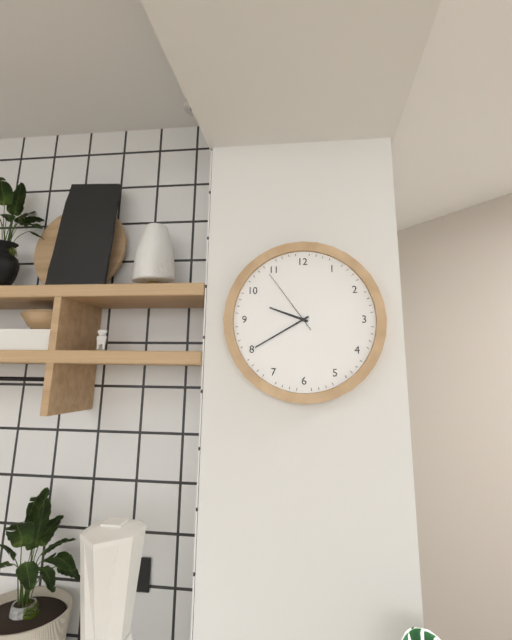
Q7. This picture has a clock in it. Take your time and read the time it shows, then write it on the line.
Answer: 9:40:54
